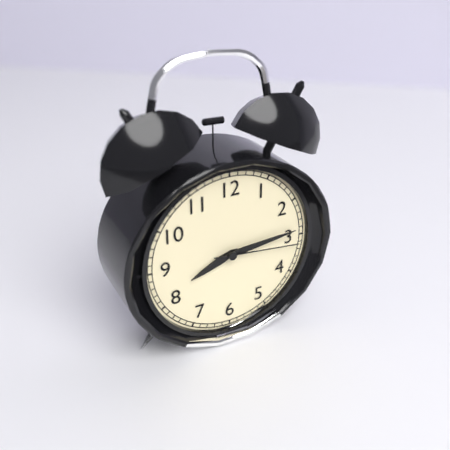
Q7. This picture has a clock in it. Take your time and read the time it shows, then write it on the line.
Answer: 8:14:16
